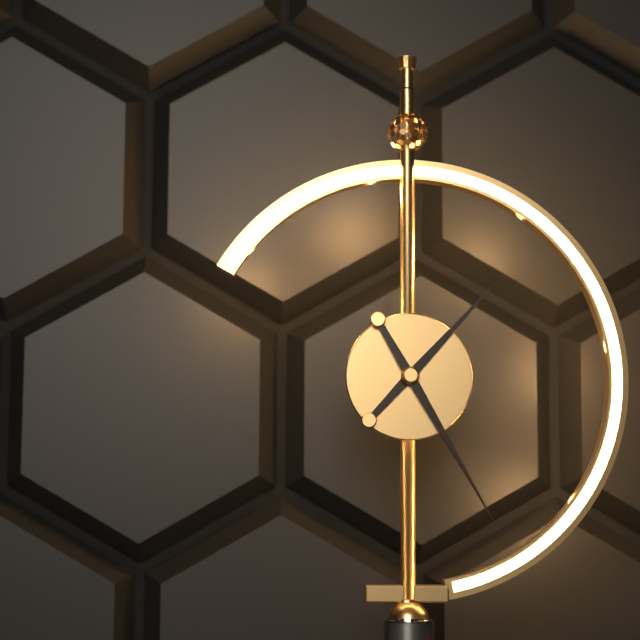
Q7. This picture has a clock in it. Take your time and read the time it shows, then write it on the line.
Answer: 1:25
